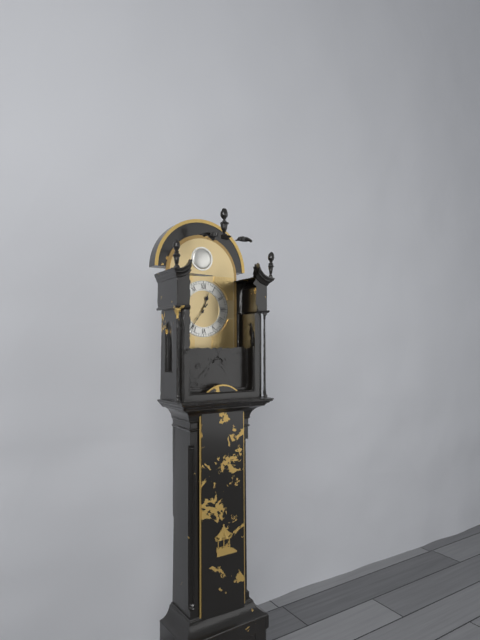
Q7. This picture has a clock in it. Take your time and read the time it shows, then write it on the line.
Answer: 12:36
